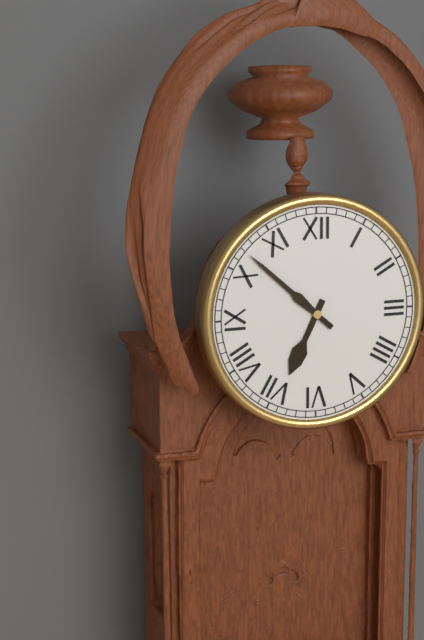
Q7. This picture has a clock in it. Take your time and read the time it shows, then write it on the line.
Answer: 6:52
